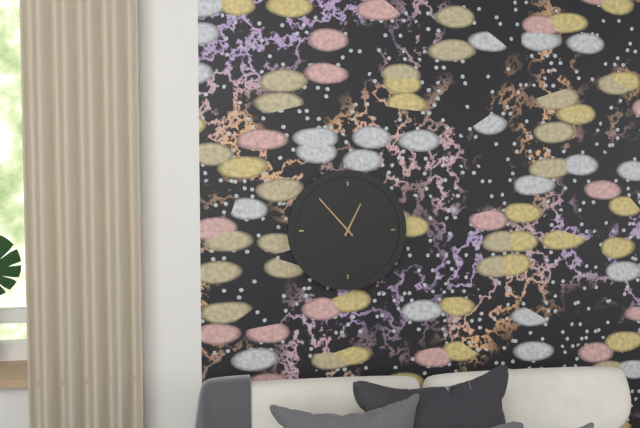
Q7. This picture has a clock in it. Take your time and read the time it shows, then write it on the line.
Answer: 12:53
